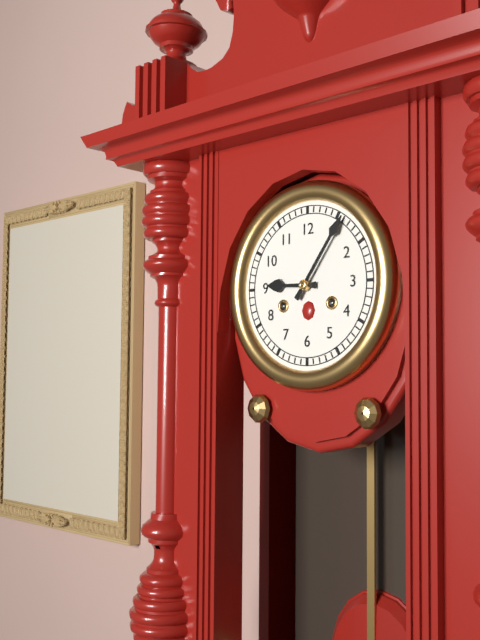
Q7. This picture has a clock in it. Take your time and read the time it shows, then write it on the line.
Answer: 9:06
